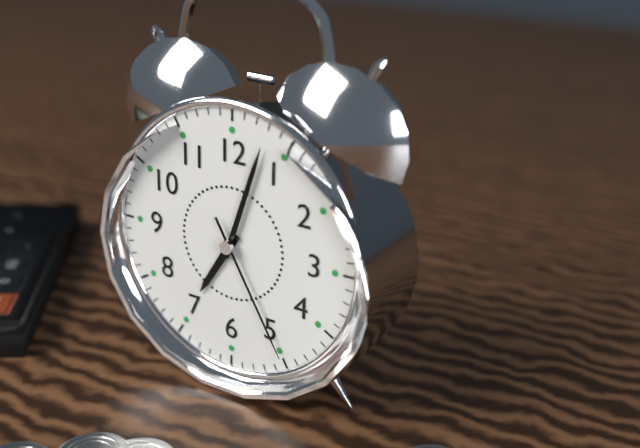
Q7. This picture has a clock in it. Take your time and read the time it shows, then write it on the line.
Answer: 7:03:25
